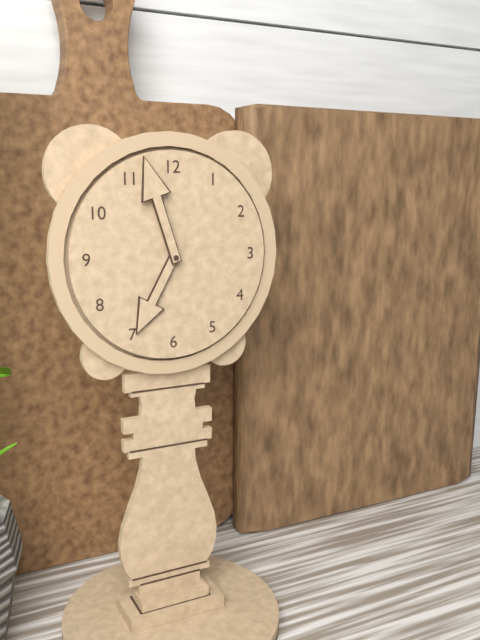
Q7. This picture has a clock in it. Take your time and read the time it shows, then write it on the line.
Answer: 6:57
